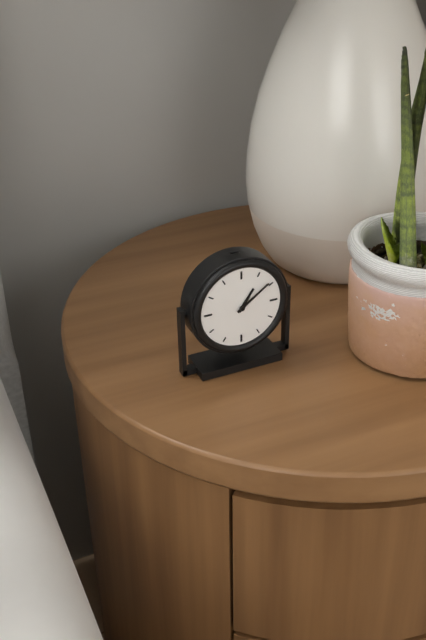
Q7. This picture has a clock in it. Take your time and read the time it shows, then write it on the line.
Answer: 1:09
